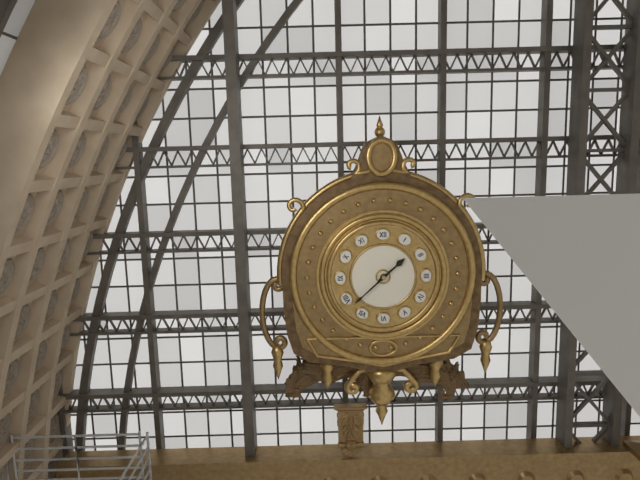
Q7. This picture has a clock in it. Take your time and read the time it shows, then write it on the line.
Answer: 1:38
